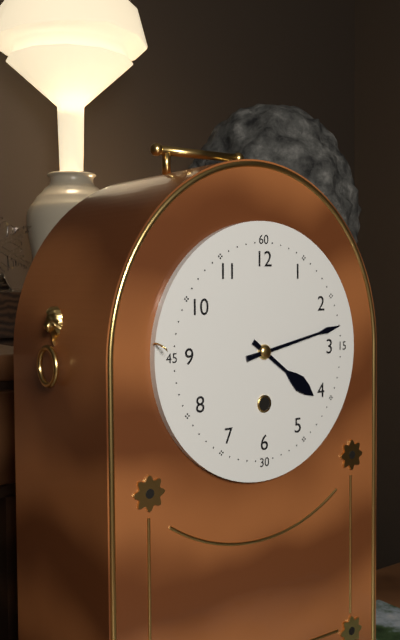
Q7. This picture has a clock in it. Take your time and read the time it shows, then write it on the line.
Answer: 4:13
